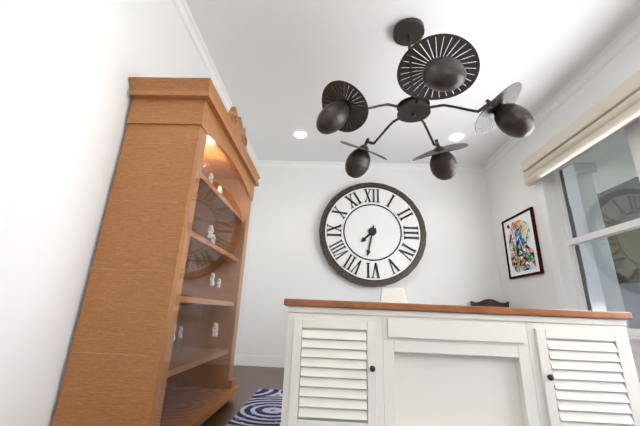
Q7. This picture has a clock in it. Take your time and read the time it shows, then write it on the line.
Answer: 7:32
